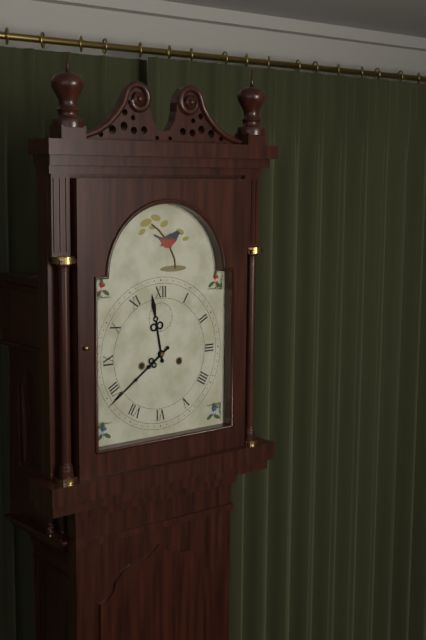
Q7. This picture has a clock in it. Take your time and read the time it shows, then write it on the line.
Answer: 11:39
